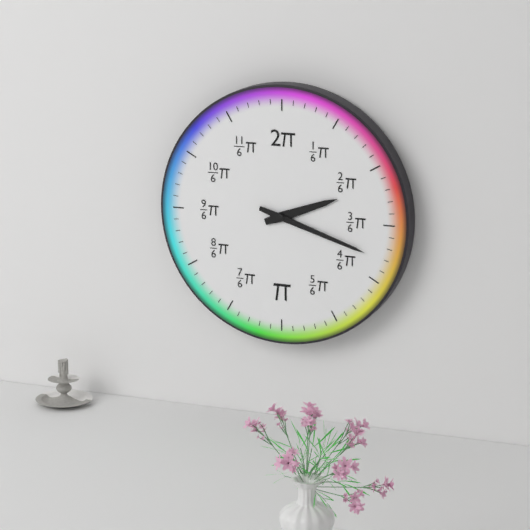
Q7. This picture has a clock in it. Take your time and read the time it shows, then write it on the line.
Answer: 2:18
